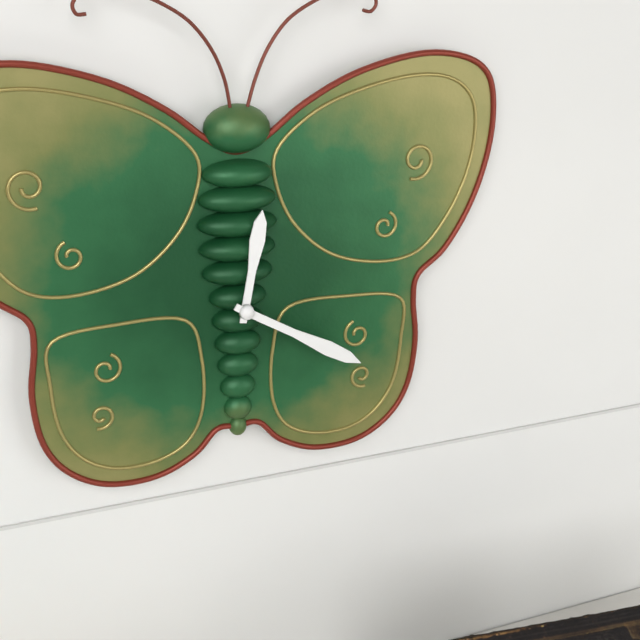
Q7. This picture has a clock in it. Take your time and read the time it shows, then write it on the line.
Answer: 12:20
